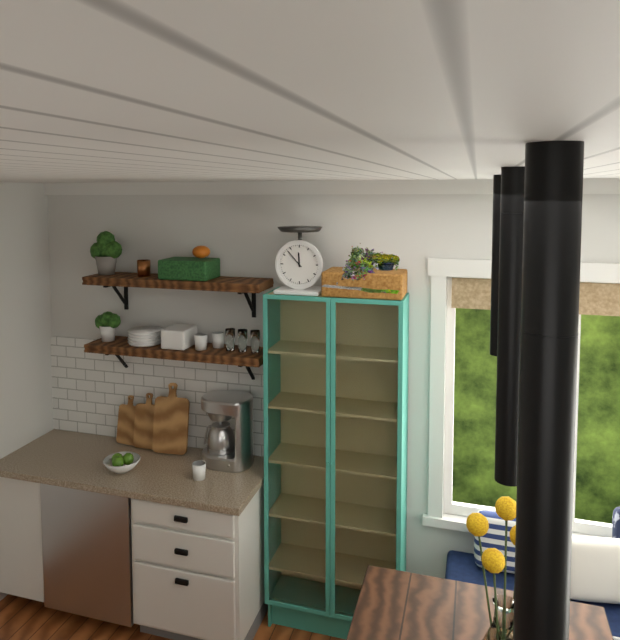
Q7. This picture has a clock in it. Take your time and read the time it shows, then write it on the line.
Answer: 11:53
